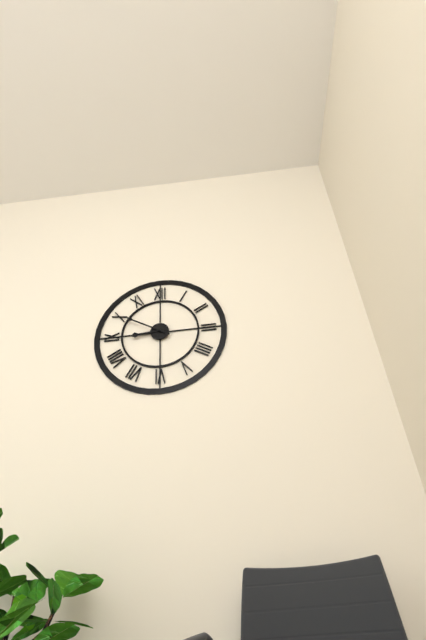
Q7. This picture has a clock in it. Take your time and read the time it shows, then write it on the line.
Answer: 8:50
